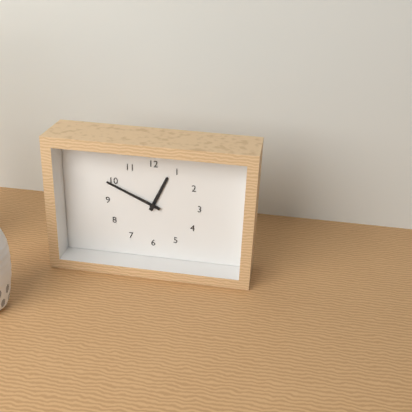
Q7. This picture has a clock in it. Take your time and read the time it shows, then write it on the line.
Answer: 12:49
